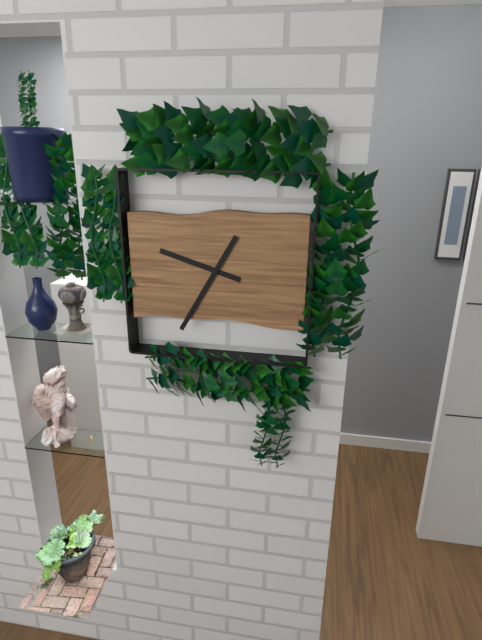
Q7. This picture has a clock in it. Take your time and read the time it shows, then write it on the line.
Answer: 9:35
